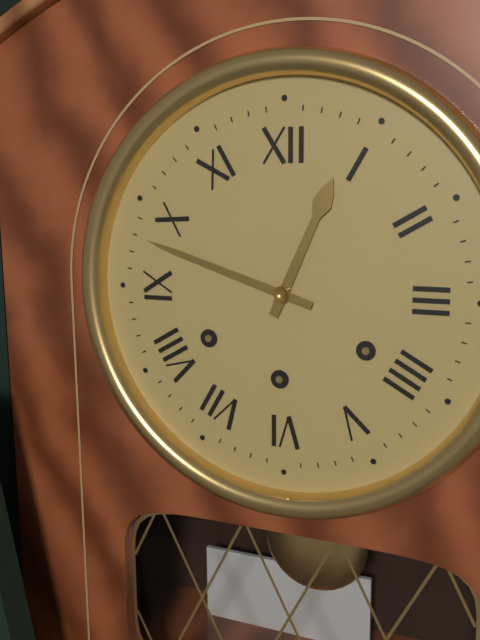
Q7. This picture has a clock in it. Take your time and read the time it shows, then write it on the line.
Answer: 12:48
